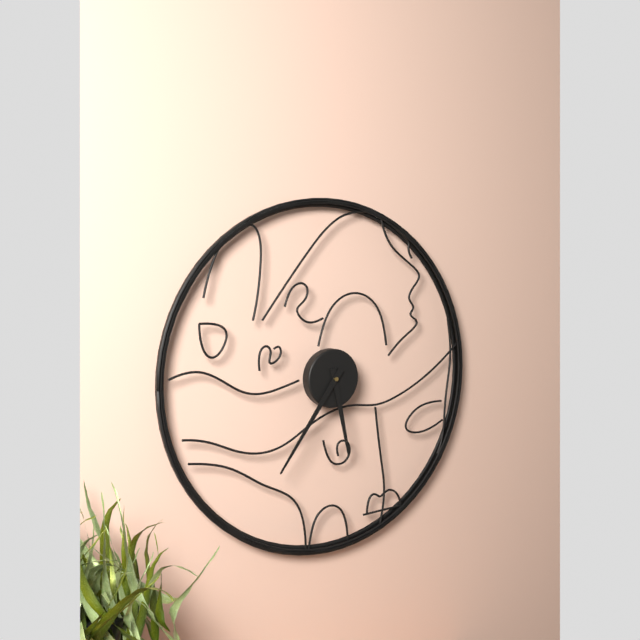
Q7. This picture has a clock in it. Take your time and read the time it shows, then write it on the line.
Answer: 5:36
